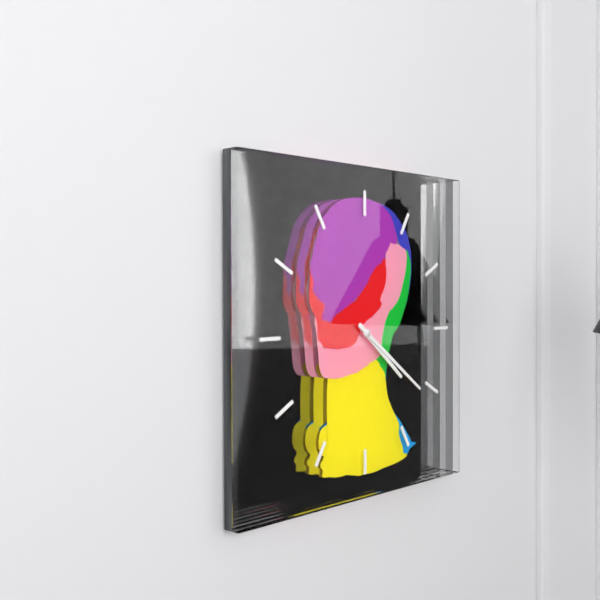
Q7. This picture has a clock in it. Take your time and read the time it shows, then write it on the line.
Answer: 4:21
